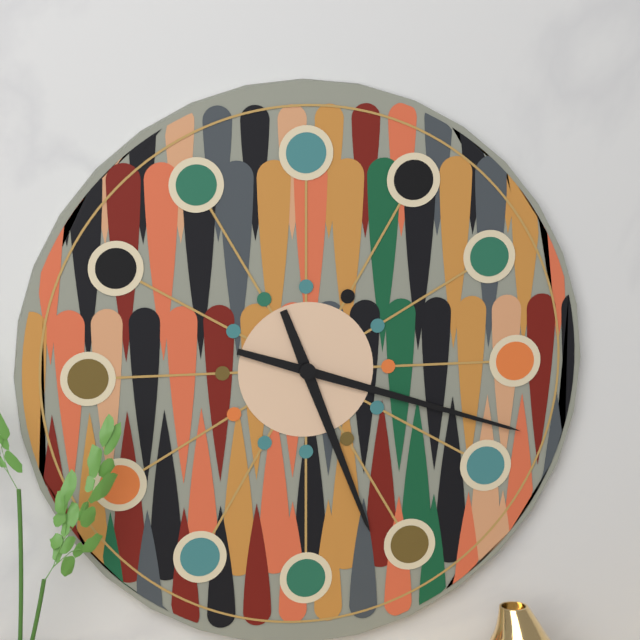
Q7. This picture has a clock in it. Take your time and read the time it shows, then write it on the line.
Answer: 5:18
